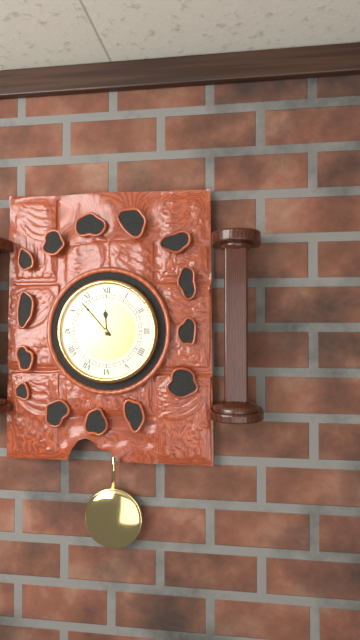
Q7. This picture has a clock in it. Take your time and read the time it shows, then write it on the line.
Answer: 11:53
